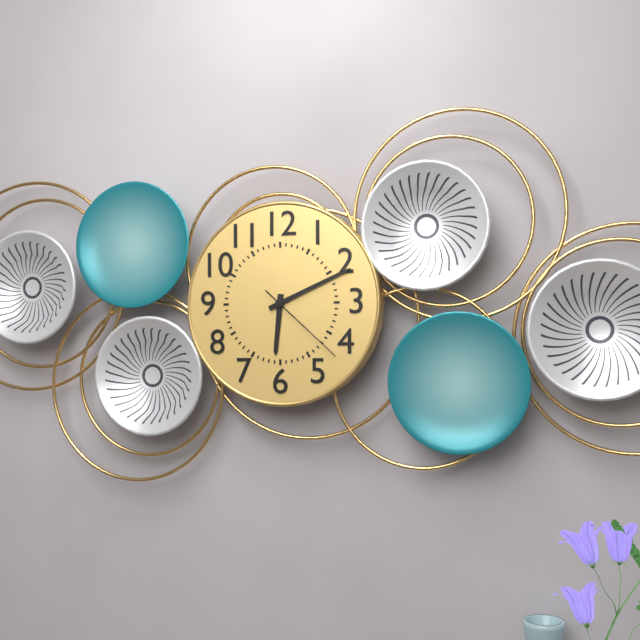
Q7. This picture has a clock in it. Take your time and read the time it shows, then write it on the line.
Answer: 6:11:22
